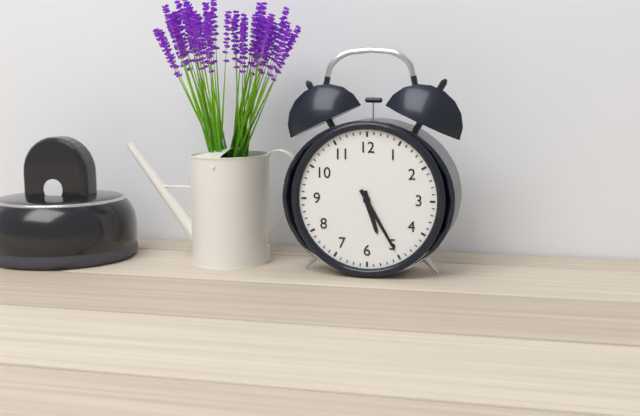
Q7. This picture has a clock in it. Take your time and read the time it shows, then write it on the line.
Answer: 5:25
